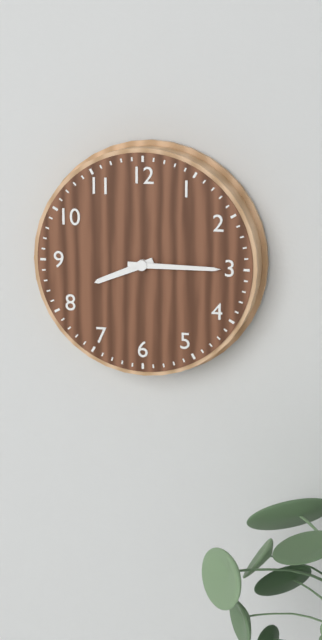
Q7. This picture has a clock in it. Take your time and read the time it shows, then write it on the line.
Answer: 8:15
